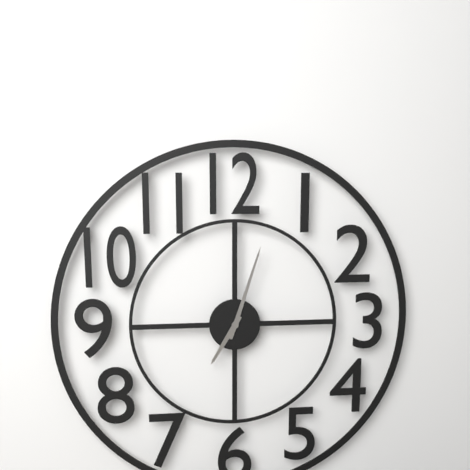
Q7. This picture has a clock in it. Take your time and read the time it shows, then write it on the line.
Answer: 7:03
